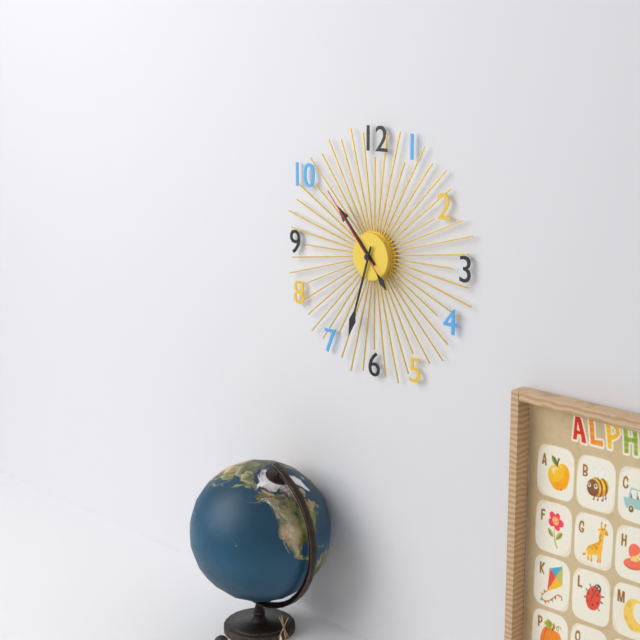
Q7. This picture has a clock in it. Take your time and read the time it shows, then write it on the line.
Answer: 10:33:53
